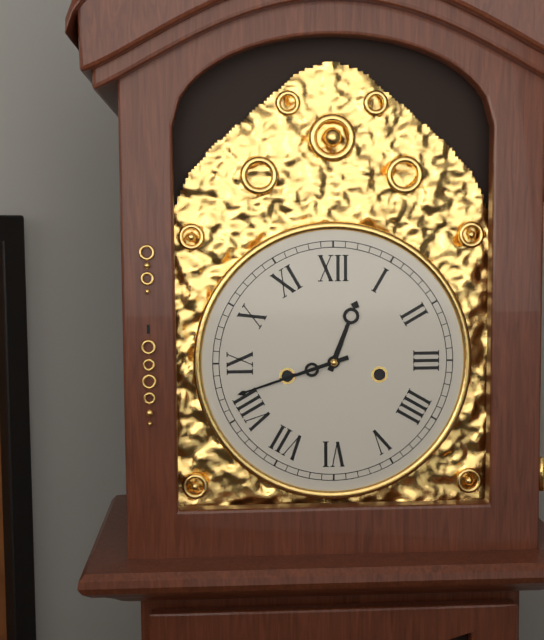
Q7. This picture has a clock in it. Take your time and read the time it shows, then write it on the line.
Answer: 12:42
